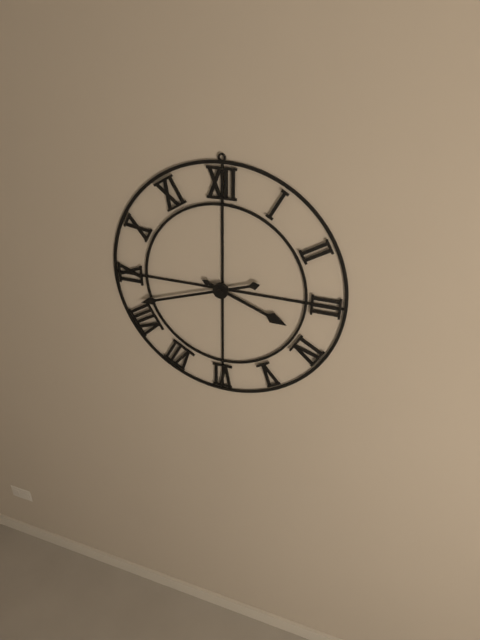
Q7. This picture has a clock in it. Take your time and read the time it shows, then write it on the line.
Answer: 3:42
